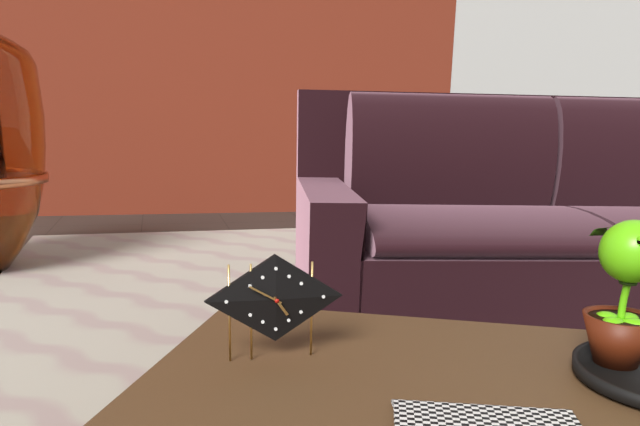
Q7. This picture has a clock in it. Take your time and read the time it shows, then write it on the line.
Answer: 4:50
